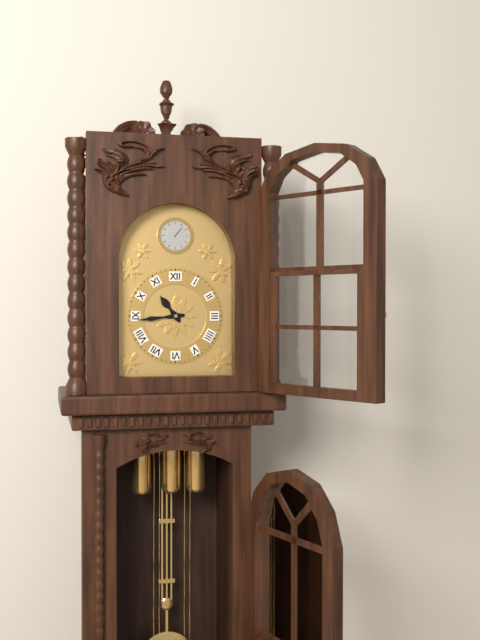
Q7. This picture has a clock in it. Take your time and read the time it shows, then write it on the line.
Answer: 10:44
